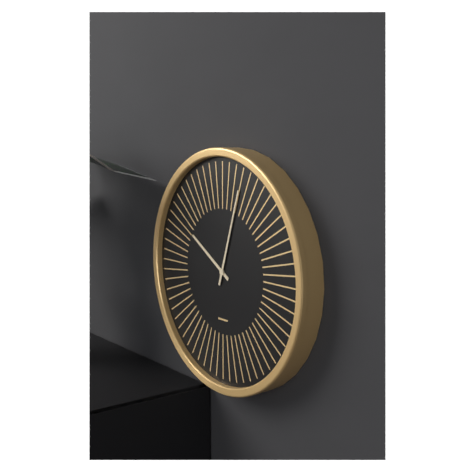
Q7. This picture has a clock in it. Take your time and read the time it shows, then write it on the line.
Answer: 10:03
